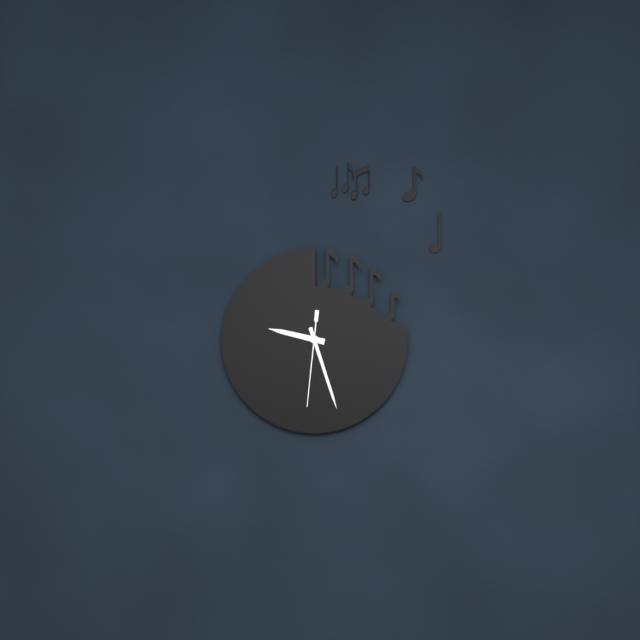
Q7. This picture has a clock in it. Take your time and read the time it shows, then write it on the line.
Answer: 9:27:31
